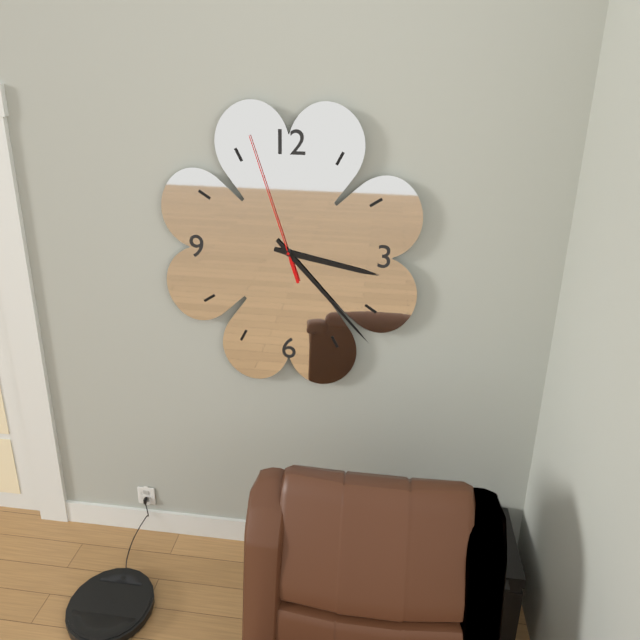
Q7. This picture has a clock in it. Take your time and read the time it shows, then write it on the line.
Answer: 3:23:57
